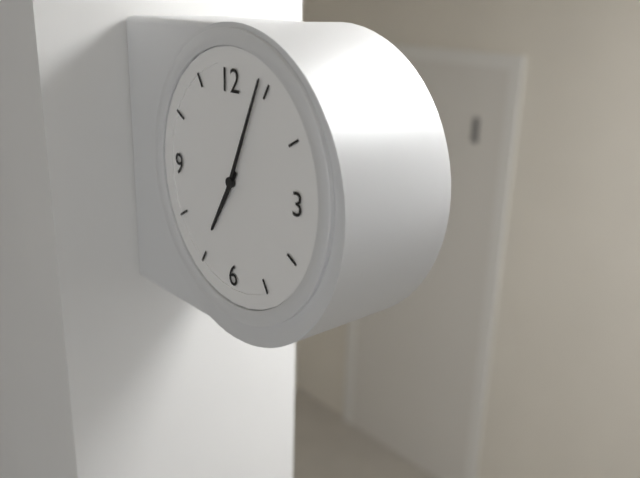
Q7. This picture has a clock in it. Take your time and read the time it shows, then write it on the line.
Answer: 7:04
